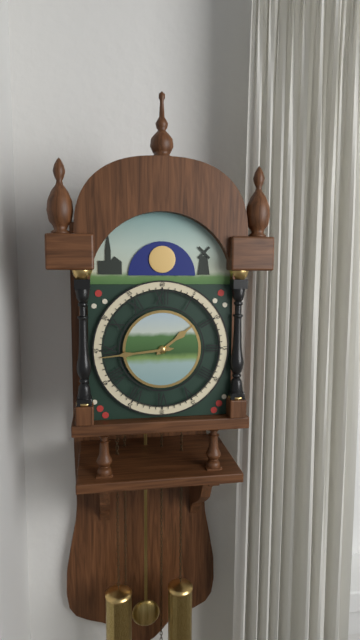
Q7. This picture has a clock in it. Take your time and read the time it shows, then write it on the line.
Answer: 1:44
